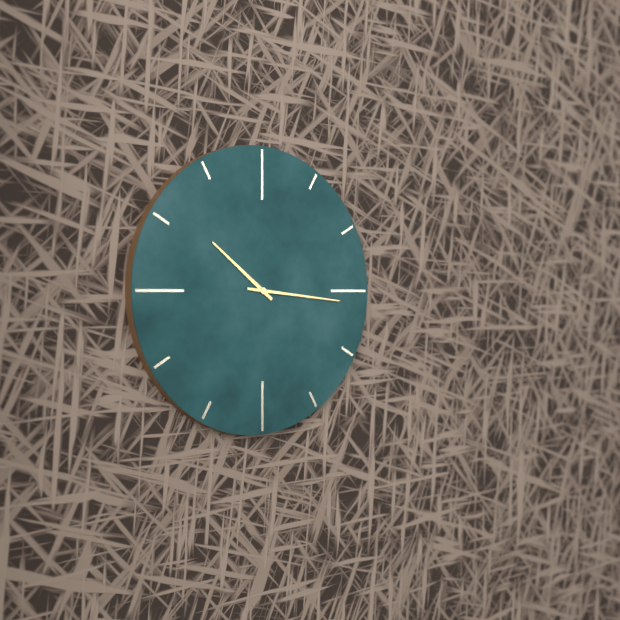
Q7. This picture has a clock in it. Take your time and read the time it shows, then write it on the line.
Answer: 10:16
